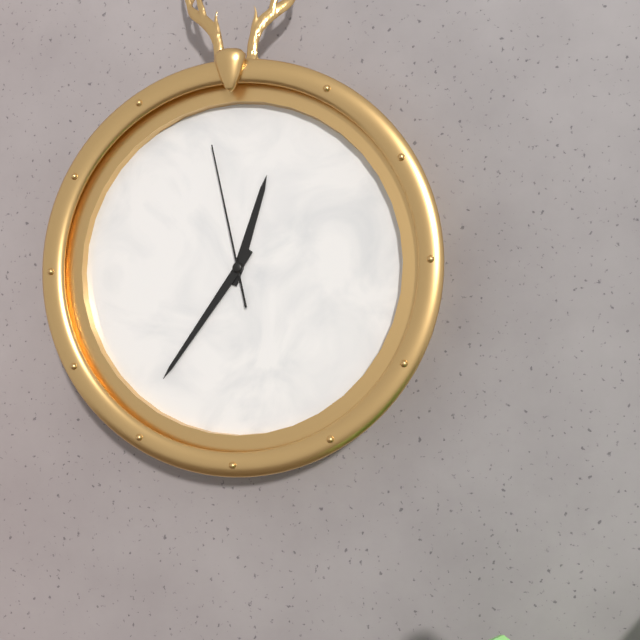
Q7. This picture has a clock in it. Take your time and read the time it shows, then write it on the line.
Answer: 12:36:58
